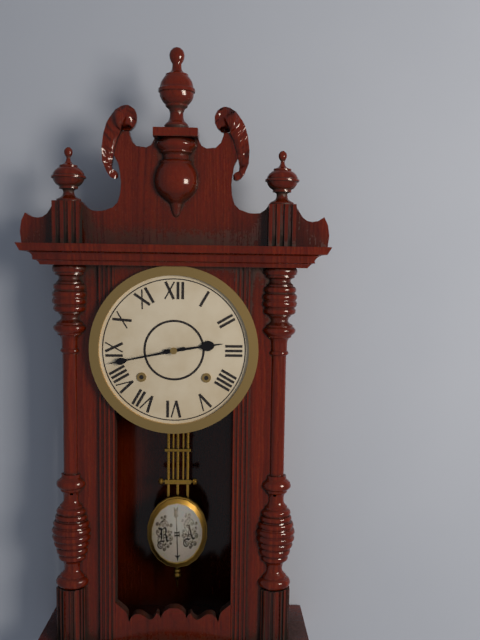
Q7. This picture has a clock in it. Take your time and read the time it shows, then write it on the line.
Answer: 2:43
